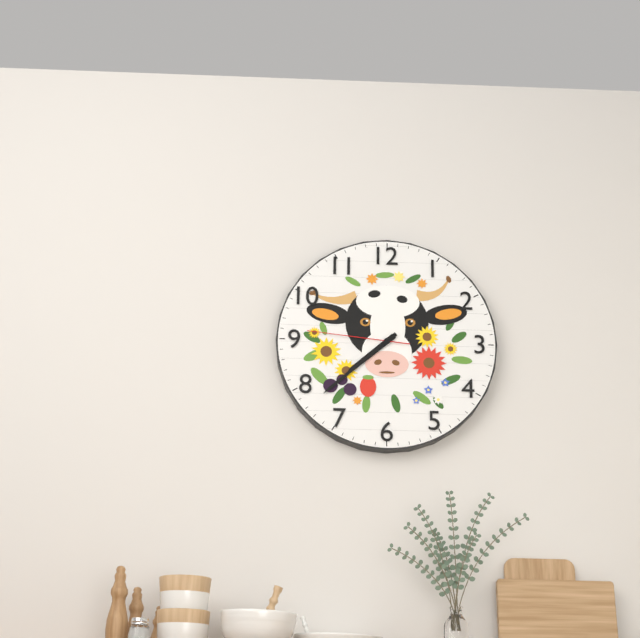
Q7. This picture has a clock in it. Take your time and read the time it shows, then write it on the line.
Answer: 7:38:46
